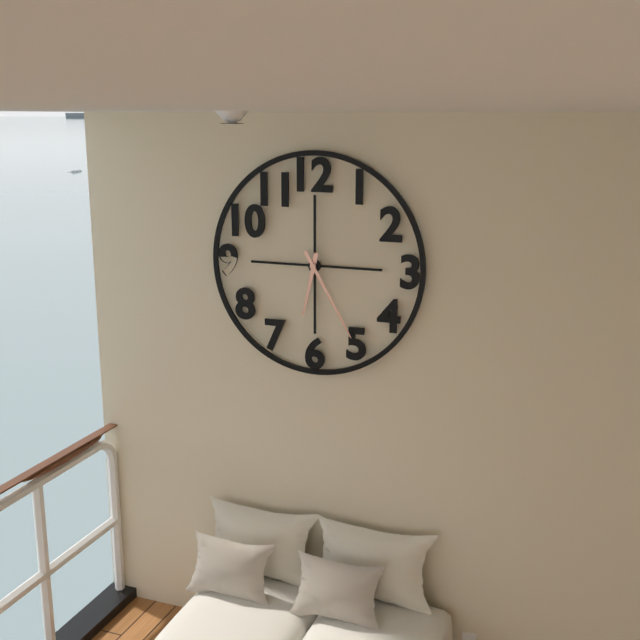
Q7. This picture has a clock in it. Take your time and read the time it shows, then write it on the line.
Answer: 6:25
